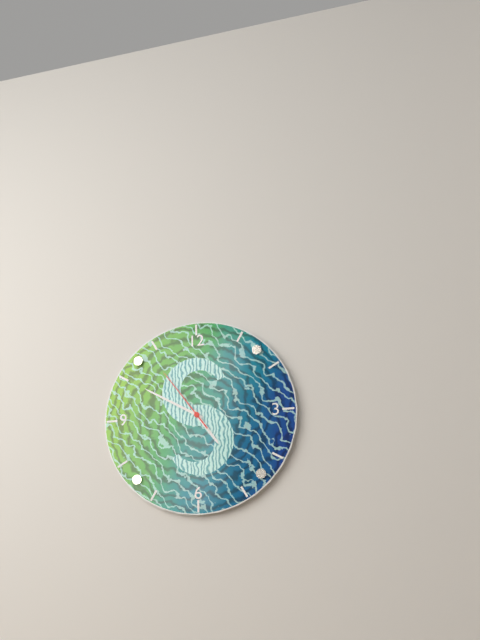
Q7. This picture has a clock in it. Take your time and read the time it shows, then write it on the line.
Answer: 4:50:54
